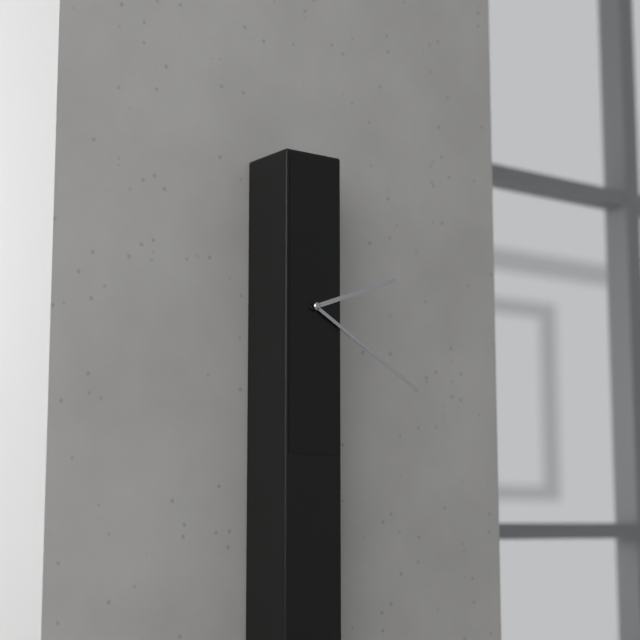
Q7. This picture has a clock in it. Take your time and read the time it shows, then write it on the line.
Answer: 2:20
